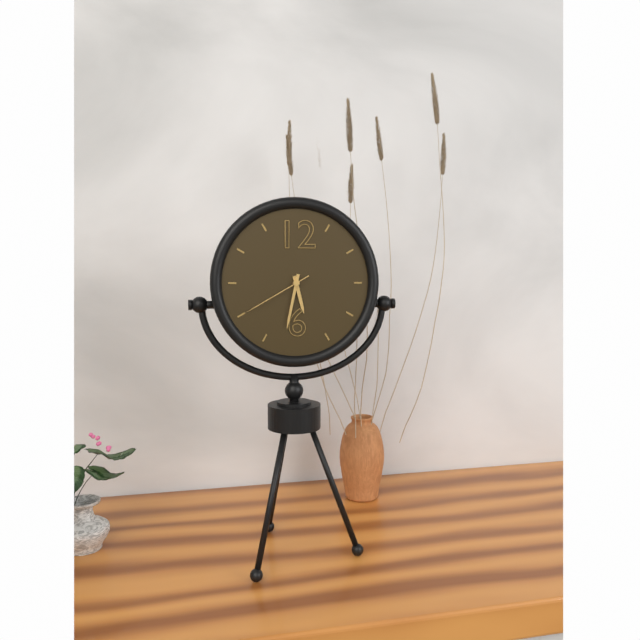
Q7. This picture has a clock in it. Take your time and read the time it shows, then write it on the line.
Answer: 5:32:40
